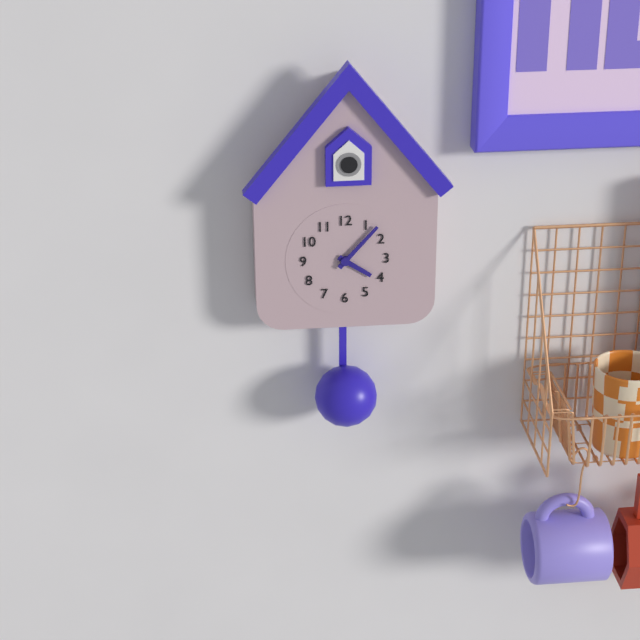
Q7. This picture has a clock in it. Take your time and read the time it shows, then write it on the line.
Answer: 4:07
